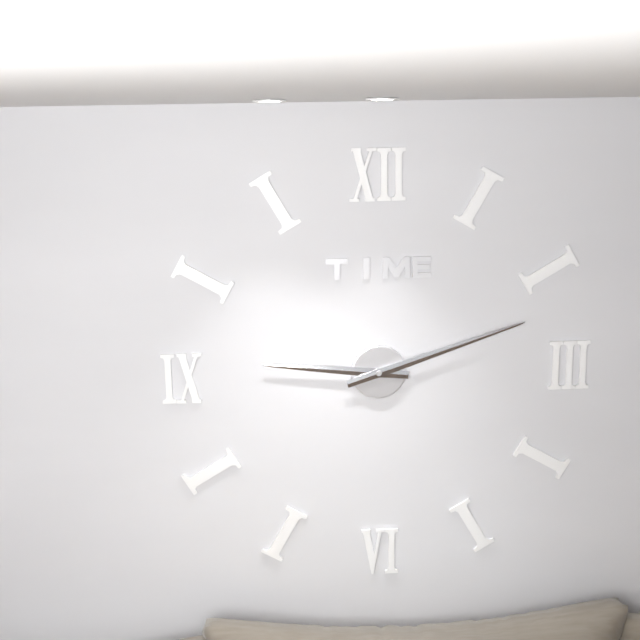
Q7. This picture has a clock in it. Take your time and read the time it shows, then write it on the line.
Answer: 9:12
